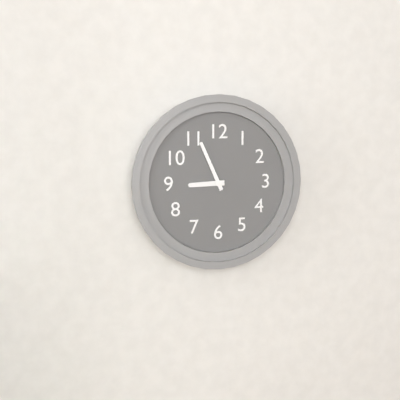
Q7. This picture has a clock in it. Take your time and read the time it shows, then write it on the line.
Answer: 8:56
